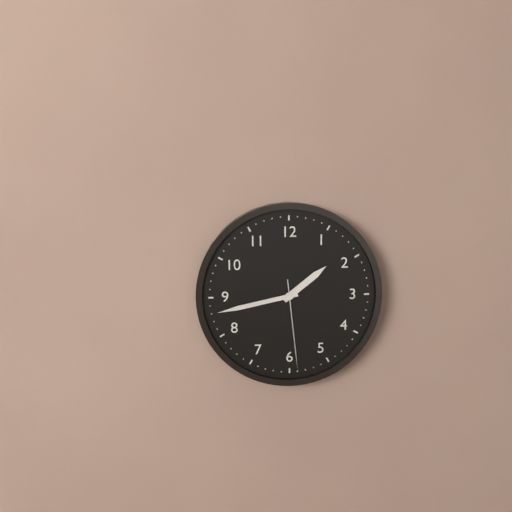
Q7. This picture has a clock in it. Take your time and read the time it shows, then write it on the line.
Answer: 1:43:29
